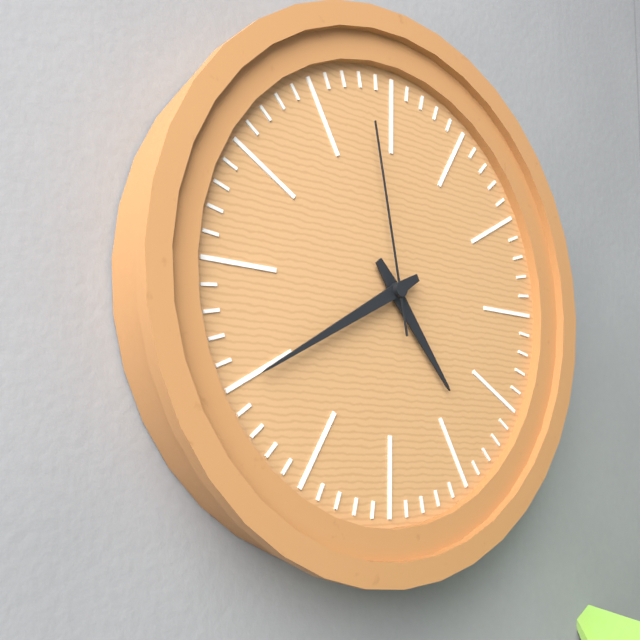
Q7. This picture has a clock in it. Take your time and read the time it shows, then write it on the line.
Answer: 4:40:58
